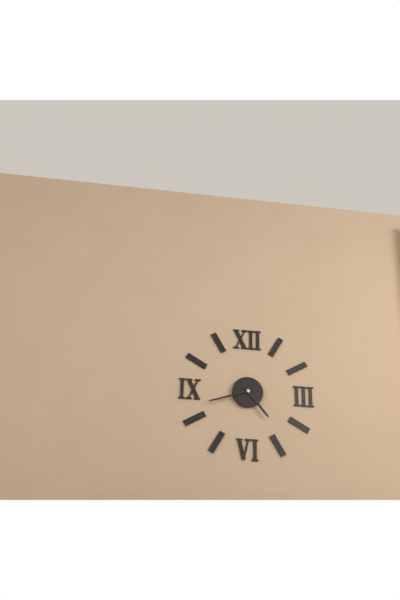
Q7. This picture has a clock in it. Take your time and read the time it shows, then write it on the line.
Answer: 4:42
